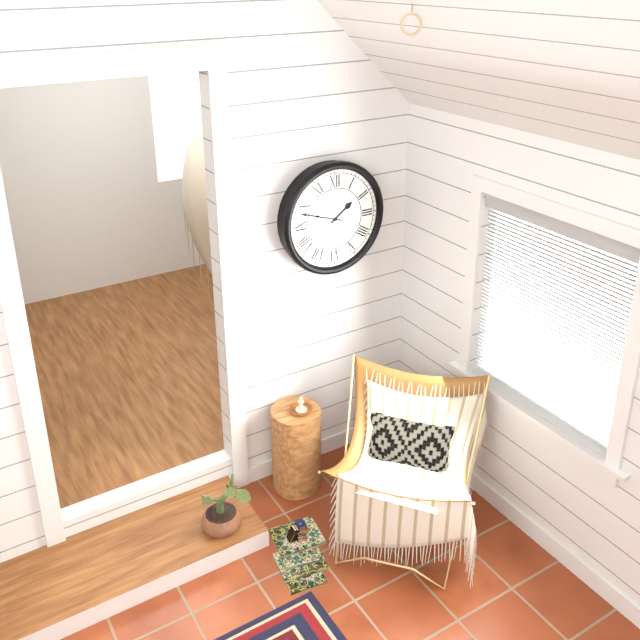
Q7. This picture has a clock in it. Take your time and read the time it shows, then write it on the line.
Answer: 1:48
